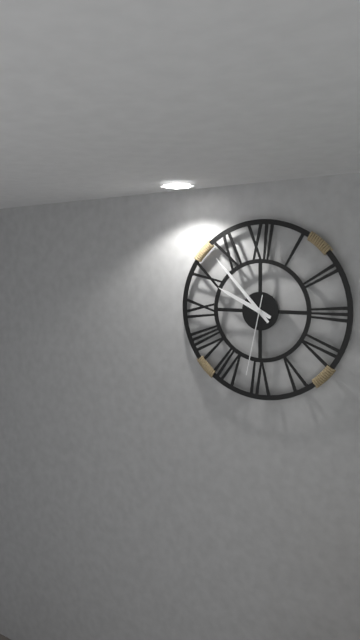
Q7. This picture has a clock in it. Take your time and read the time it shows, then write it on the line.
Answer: 9:53:32
